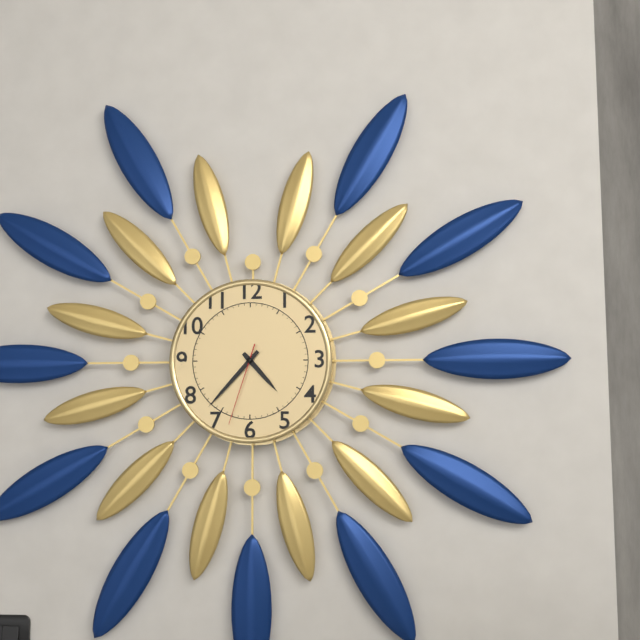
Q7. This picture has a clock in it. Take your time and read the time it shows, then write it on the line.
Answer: 4:37:33
